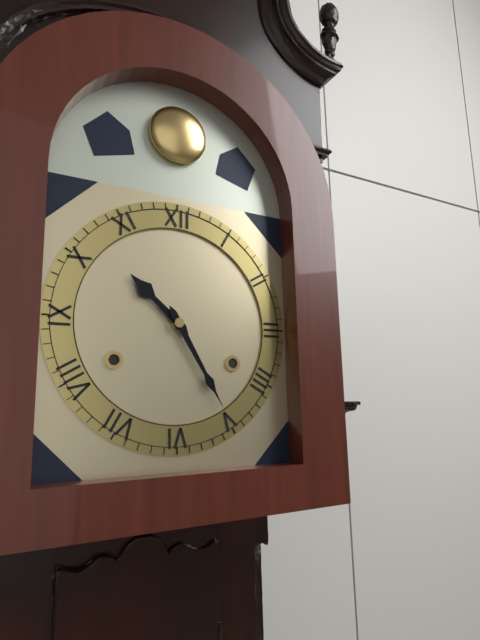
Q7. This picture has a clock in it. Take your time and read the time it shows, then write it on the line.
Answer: 10:25
